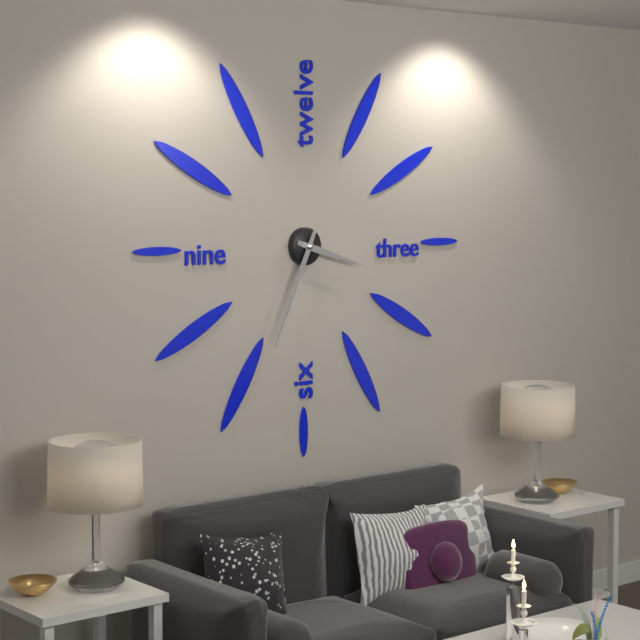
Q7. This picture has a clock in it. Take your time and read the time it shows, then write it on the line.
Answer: 3:34
